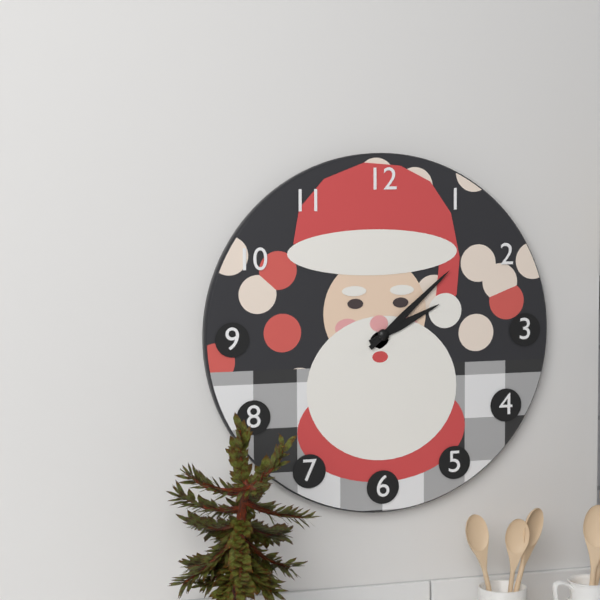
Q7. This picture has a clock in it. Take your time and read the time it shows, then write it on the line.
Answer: 2:08
